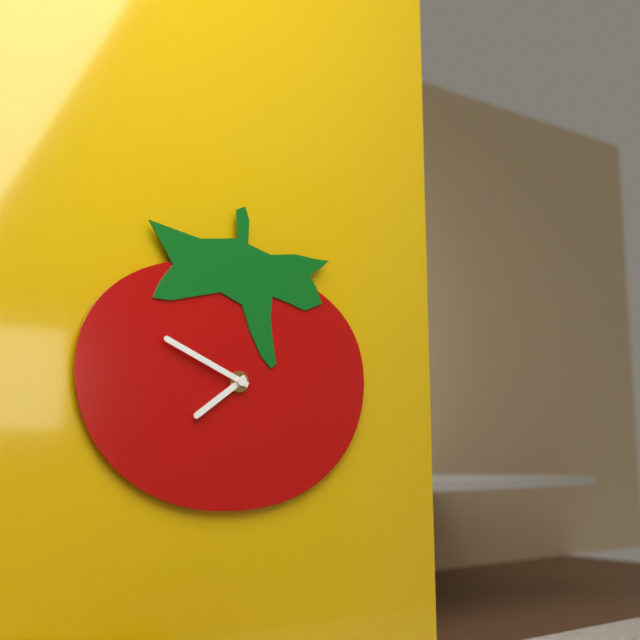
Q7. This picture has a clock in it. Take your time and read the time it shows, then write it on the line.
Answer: 7:49
